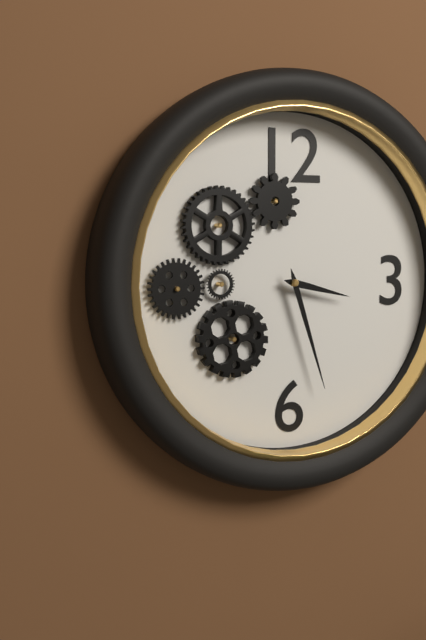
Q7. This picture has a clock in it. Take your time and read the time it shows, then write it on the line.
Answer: 3:27
